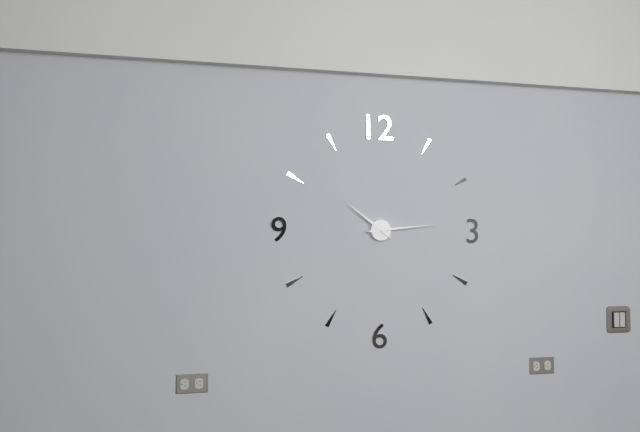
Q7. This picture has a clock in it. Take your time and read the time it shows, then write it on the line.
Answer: 10:14
